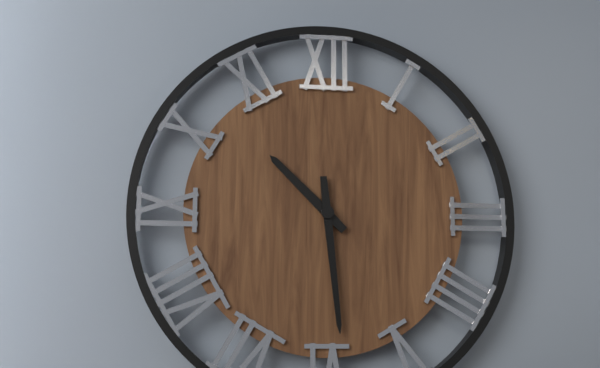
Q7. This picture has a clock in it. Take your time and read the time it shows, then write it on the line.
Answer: 10:29
